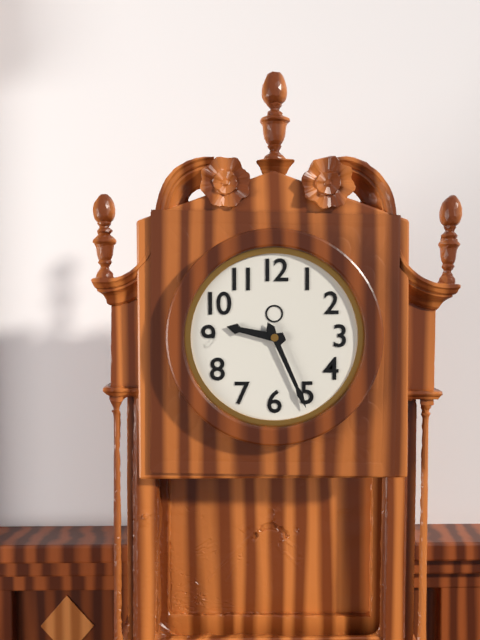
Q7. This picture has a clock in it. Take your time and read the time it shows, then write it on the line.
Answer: 9:26
